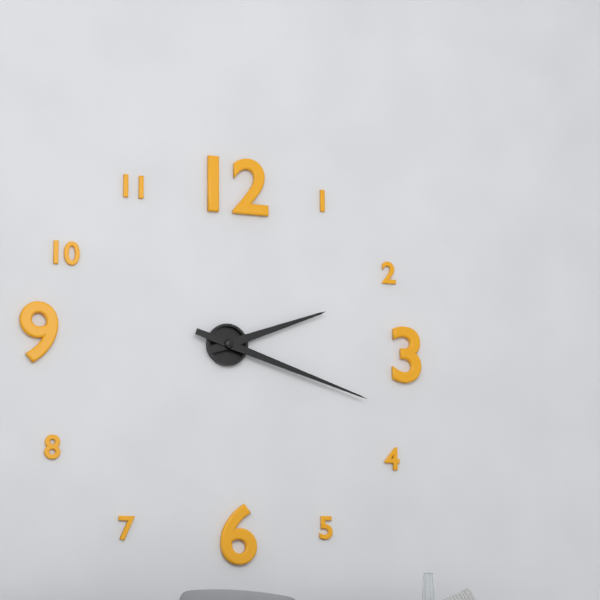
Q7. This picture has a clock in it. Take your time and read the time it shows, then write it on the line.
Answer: 2:18
